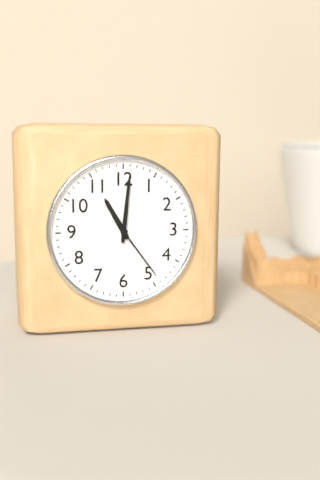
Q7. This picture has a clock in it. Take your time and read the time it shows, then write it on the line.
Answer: 11:01:24
